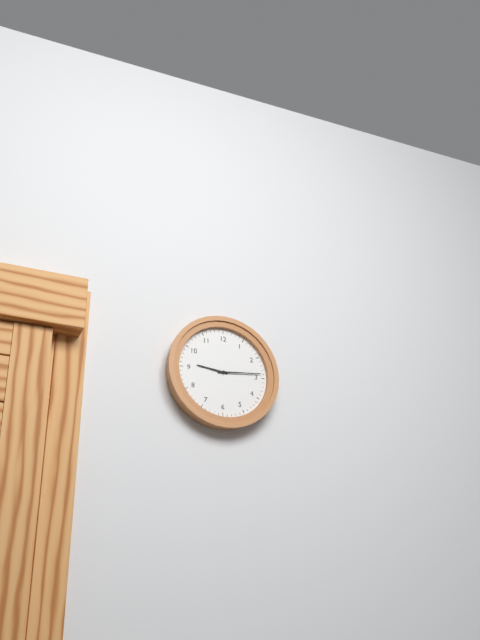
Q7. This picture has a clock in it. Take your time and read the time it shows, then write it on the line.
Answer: 9:14
